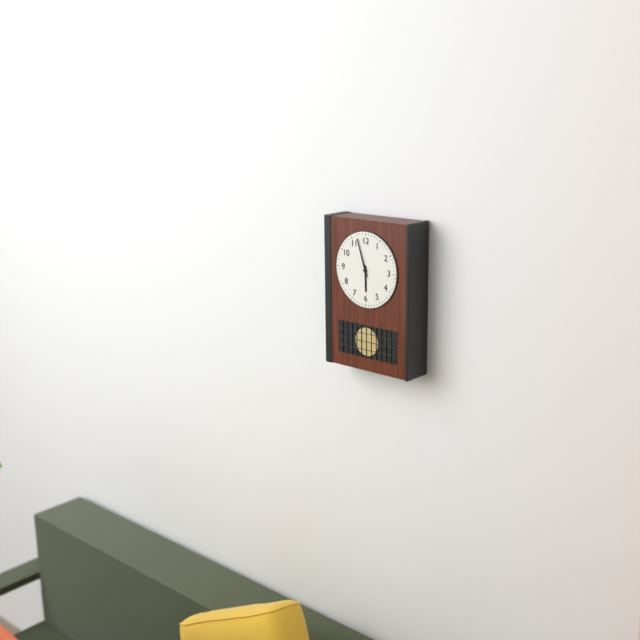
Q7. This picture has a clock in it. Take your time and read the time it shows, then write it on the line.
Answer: 5:57
